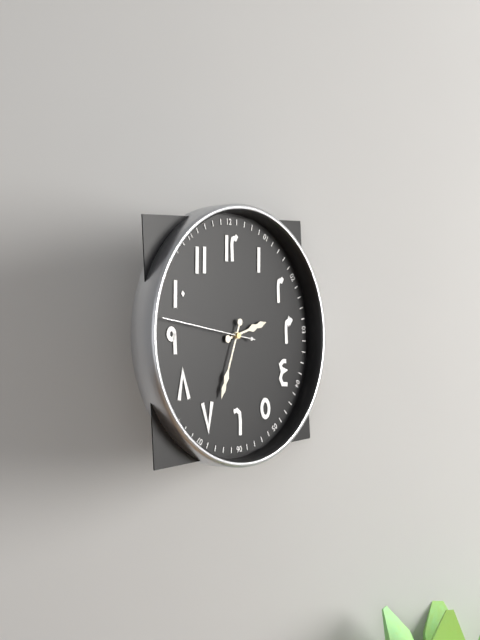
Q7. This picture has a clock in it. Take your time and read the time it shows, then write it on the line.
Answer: 2:34:47
